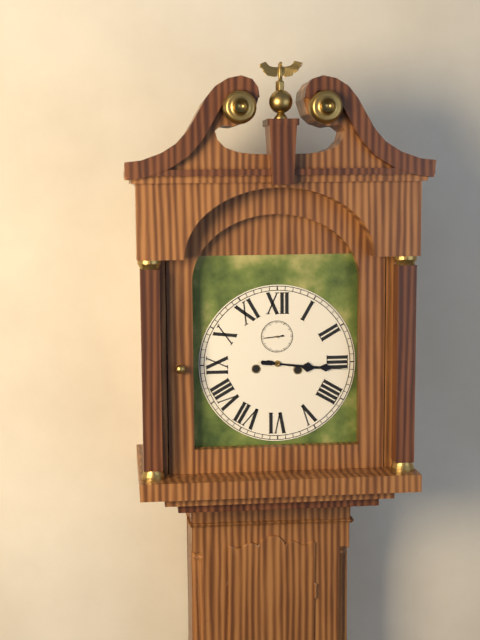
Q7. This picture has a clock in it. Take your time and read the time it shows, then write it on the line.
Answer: 3:16
